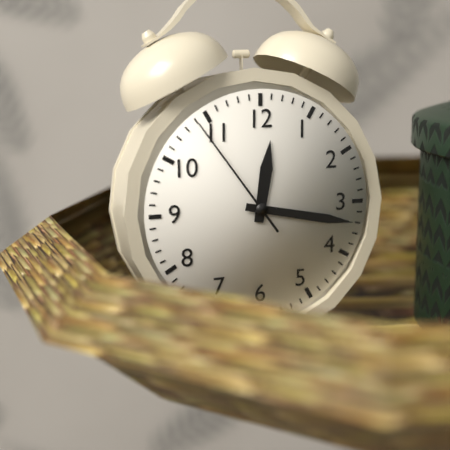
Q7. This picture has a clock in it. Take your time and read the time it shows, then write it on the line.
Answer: 12:17:54
